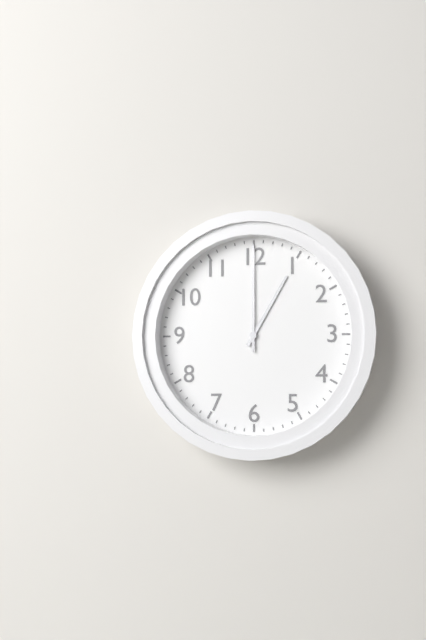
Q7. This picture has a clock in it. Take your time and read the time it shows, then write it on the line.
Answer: 1:00
